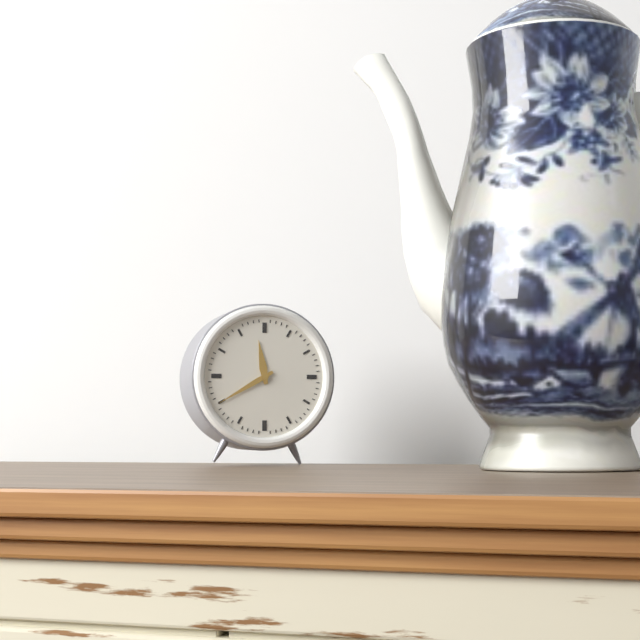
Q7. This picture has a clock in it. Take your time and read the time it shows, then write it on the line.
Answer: 11:40
